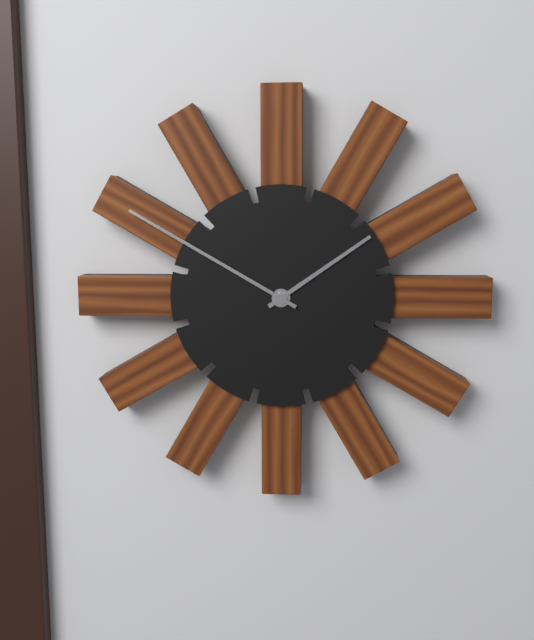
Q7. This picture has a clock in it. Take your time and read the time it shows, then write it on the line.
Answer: 1:50
